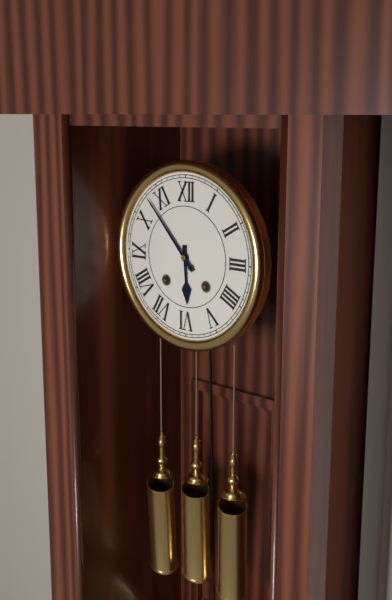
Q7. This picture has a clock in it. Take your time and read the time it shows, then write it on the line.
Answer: 5:53
